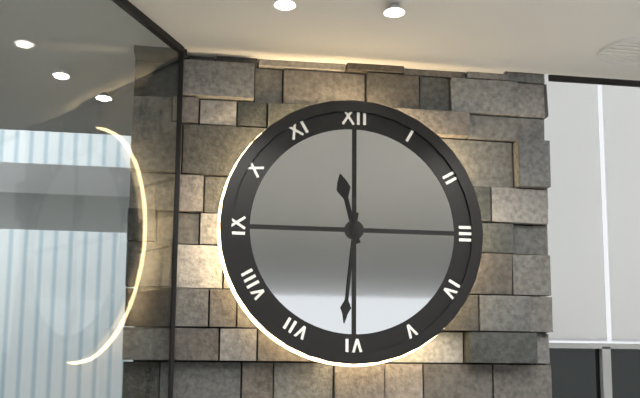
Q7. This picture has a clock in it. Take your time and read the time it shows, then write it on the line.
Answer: 11:31
